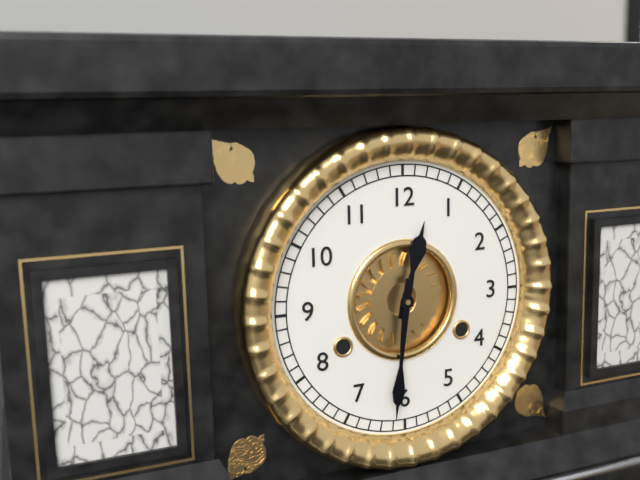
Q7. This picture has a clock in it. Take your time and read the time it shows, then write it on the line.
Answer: 12:31
